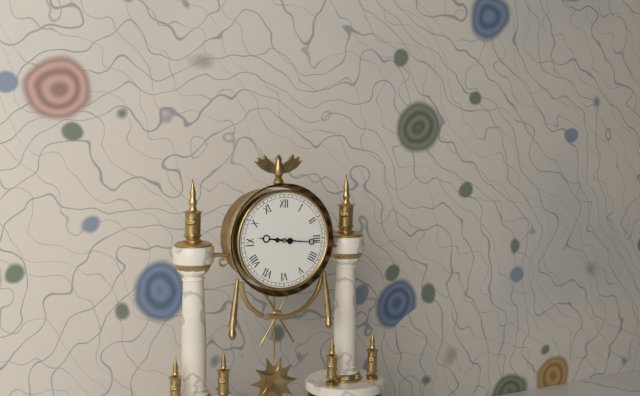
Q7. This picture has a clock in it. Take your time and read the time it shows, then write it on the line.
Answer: 9:16
